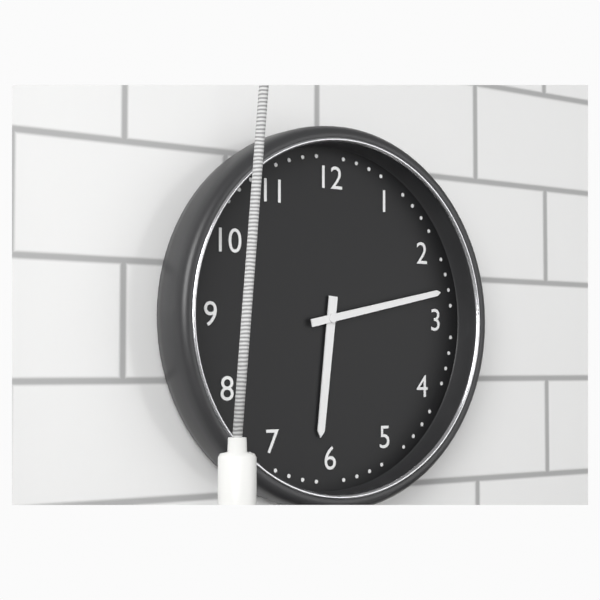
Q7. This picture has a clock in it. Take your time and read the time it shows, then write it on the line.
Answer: 6:13
